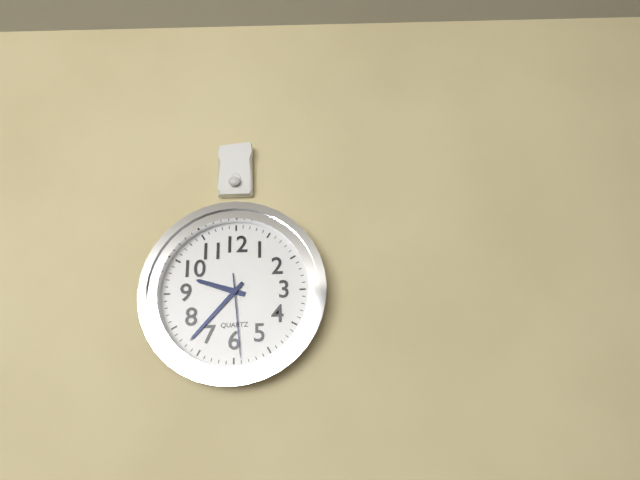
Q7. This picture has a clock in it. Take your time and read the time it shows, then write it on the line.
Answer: 9:37:29
